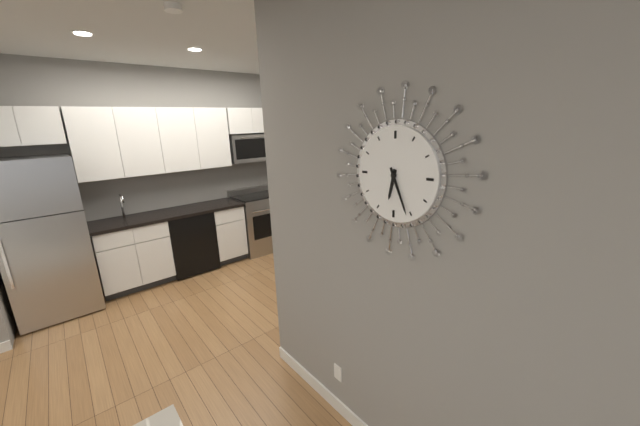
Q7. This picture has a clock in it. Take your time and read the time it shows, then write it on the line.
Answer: 6:26
